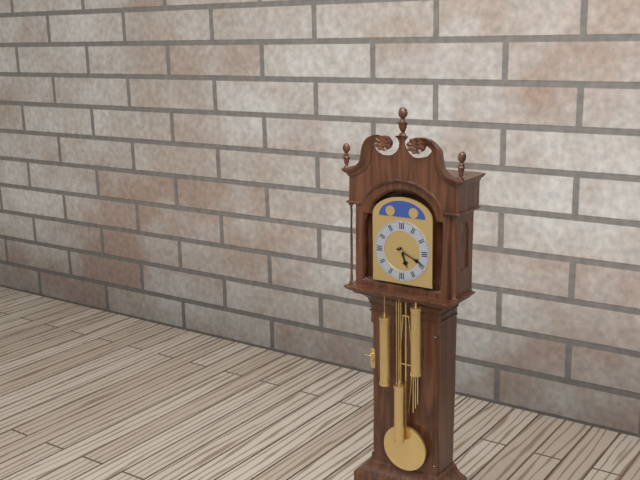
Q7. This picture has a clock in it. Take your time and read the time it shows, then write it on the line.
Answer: 5:19
